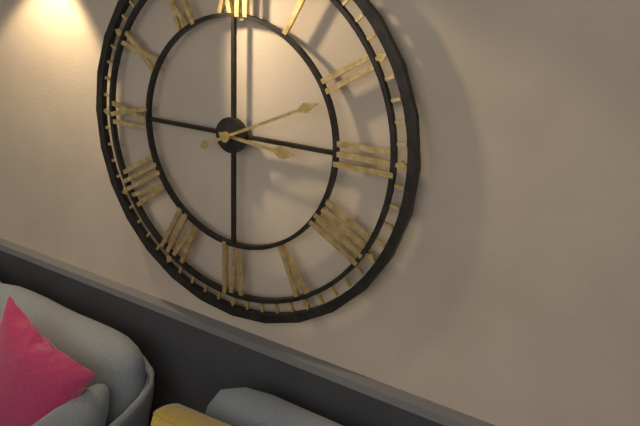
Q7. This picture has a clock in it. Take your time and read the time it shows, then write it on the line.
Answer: 3:11
